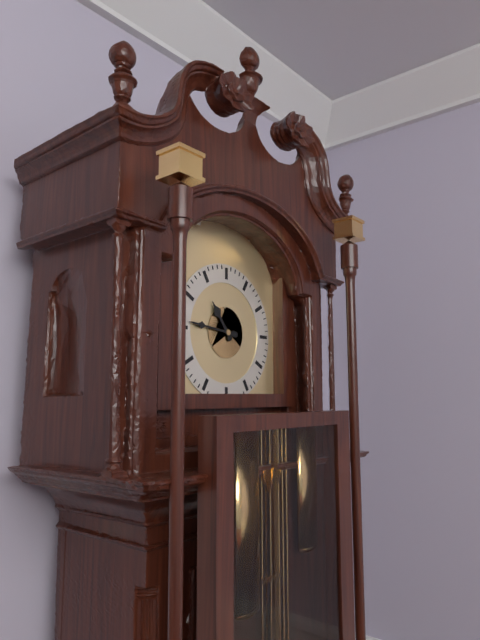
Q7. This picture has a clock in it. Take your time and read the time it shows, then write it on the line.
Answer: 10:46
